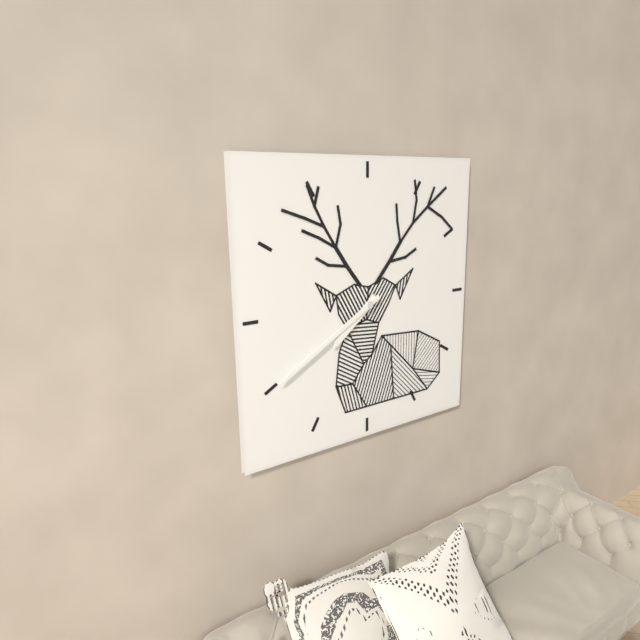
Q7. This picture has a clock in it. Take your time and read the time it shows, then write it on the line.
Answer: 7:40
